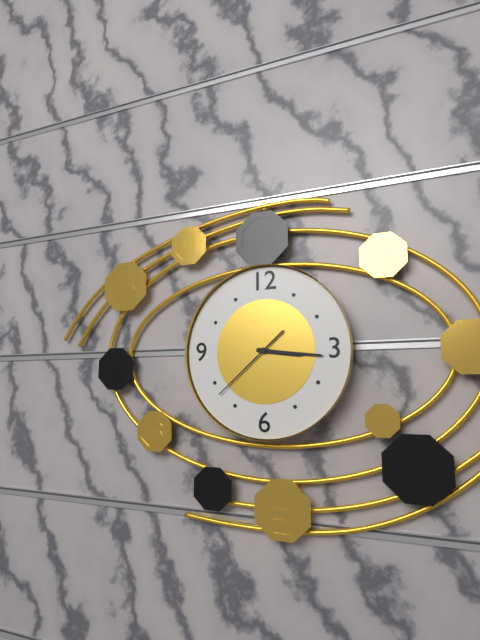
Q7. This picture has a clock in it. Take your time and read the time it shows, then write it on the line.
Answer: 3:16:38
